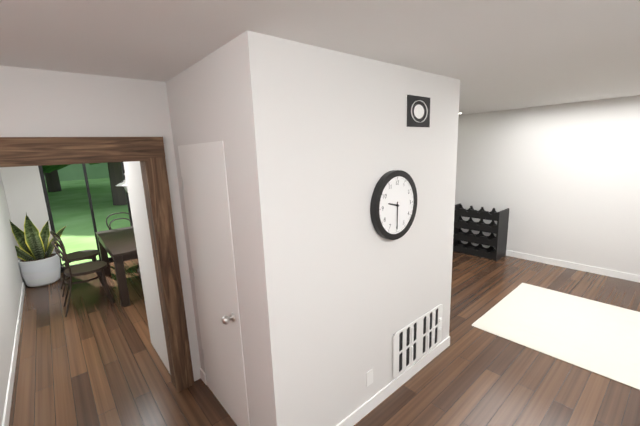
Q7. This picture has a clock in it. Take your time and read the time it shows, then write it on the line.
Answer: 9:30
